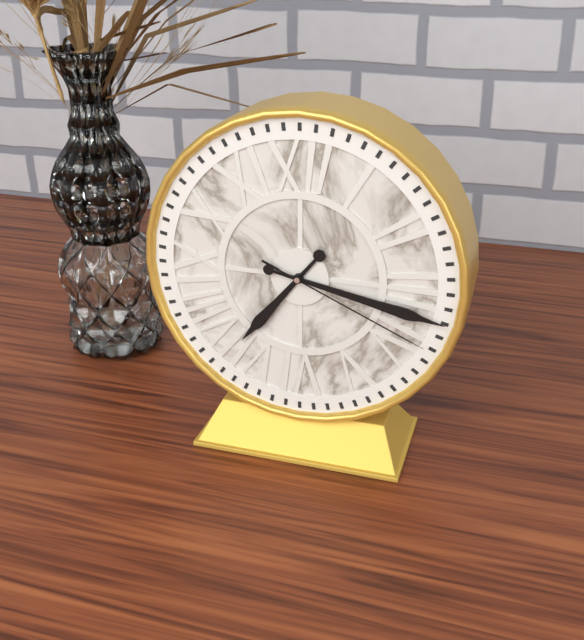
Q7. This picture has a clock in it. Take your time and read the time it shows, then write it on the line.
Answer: 7:17:19
